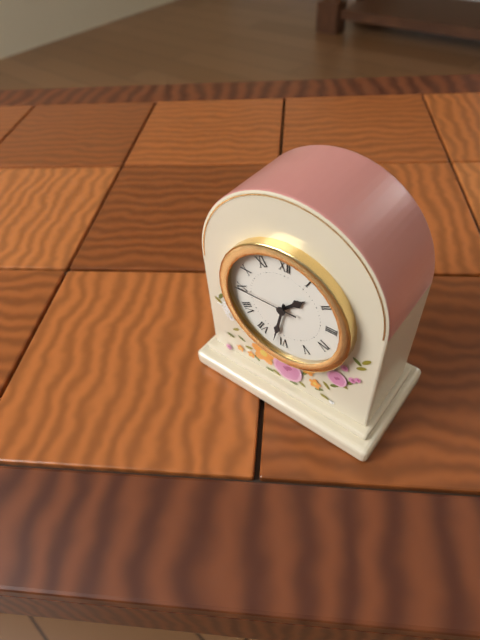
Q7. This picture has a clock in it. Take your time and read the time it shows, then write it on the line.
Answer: 1:32:45
